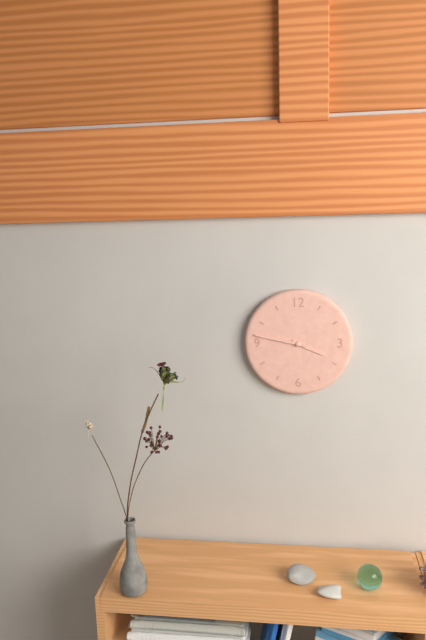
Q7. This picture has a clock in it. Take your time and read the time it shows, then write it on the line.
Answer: 3:47
